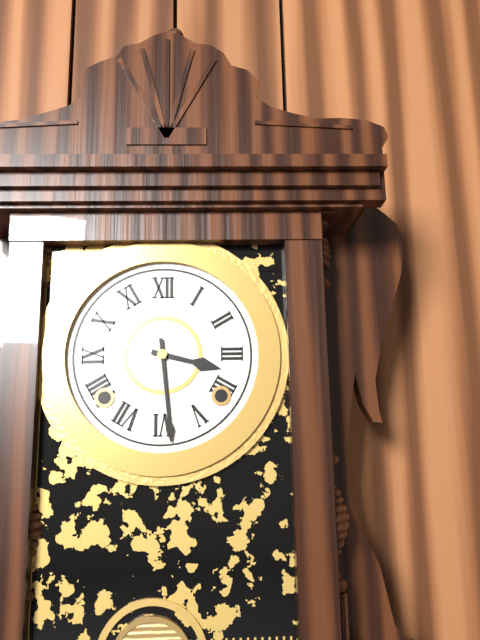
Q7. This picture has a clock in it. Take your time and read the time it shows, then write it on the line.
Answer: 3:29
